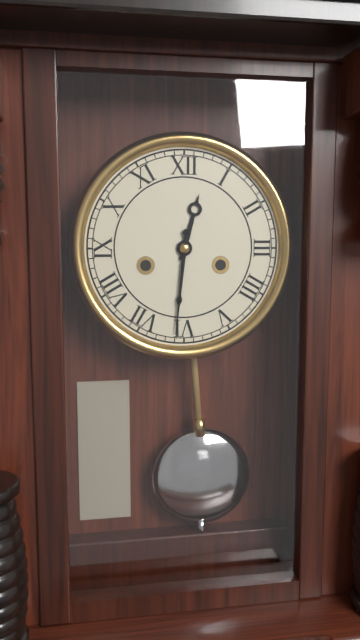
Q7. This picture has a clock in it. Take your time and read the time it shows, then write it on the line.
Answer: 12:31
